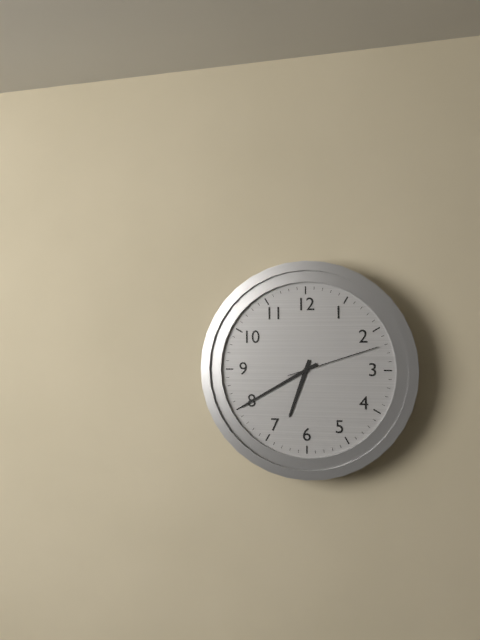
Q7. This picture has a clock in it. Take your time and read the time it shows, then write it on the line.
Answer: 6:40:12
